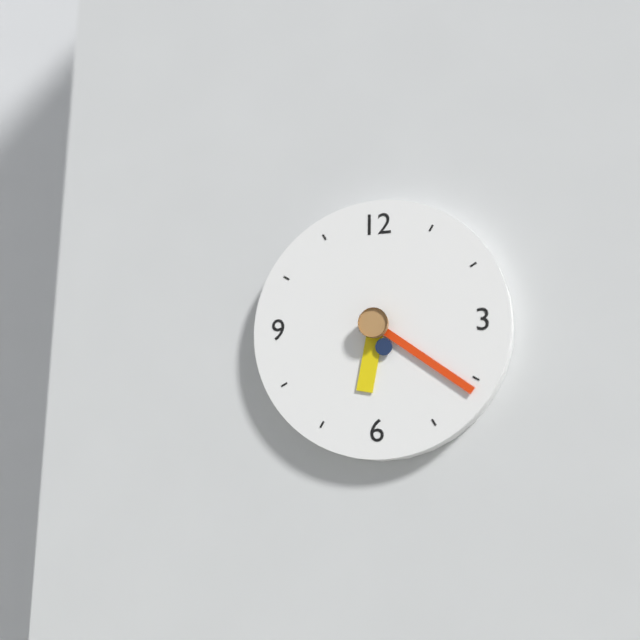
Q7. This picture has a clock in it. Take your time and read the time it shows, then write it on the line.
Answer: 6:21
